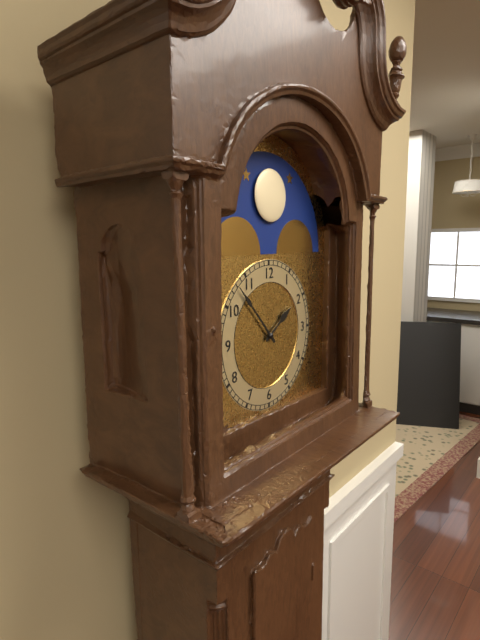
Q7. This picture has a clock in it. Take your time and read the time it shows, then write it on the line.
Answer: 1:53
